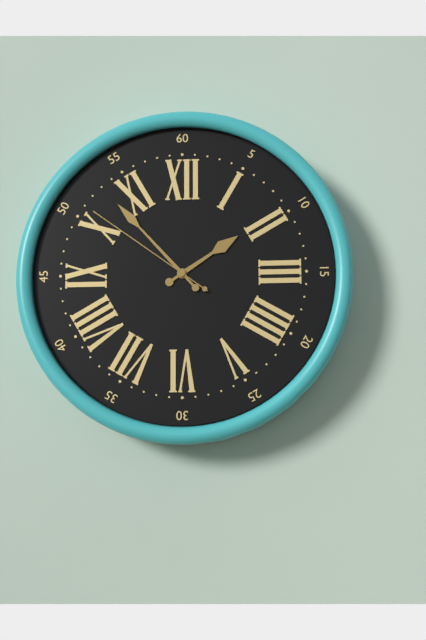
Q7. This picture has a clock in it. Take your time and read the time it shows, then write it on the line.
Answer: 1:53:51
